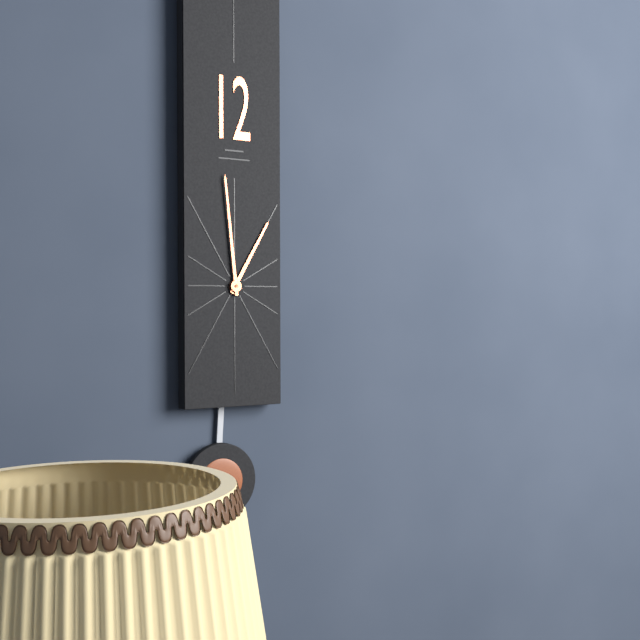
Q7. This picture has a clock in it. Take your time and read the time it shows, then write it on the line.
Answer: 12:59
